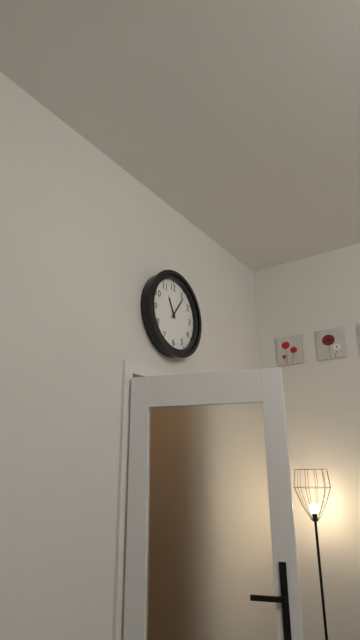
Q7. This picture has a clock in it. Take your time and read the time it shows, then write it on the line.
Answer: 11:06
